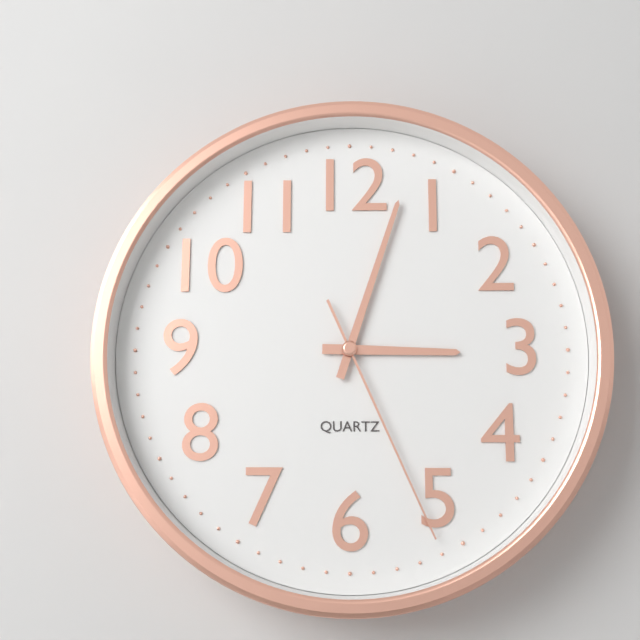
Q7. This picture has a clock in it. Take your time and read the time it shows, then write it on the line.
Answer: 3:03:26
